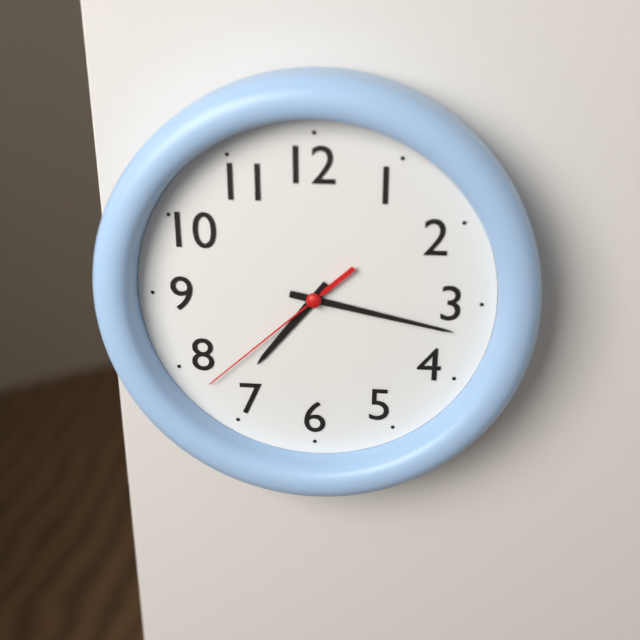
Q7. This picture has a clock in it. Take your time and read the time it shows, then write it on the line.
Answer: 7:17:38
